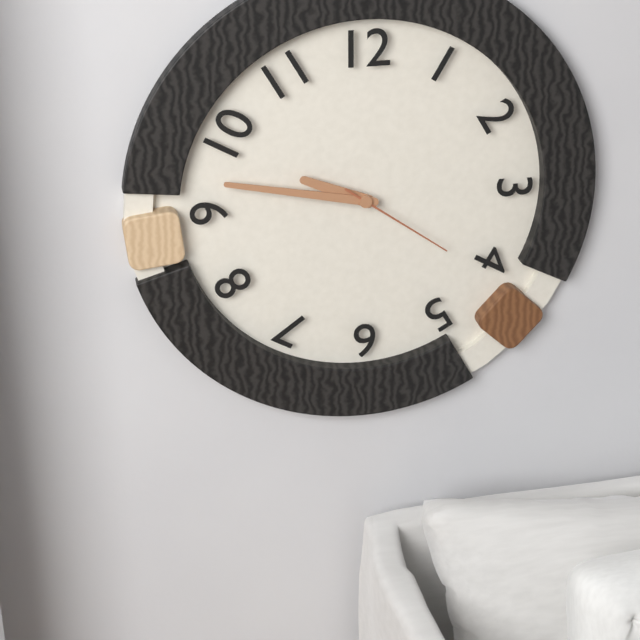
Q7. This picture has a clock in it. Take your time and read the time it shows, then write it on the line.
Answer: 9:47:21
